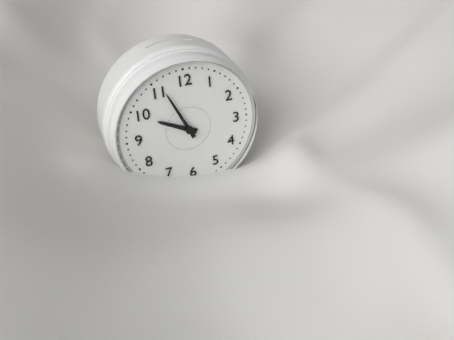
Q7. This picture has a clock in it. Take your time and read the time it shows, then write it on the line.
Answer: 9:56
